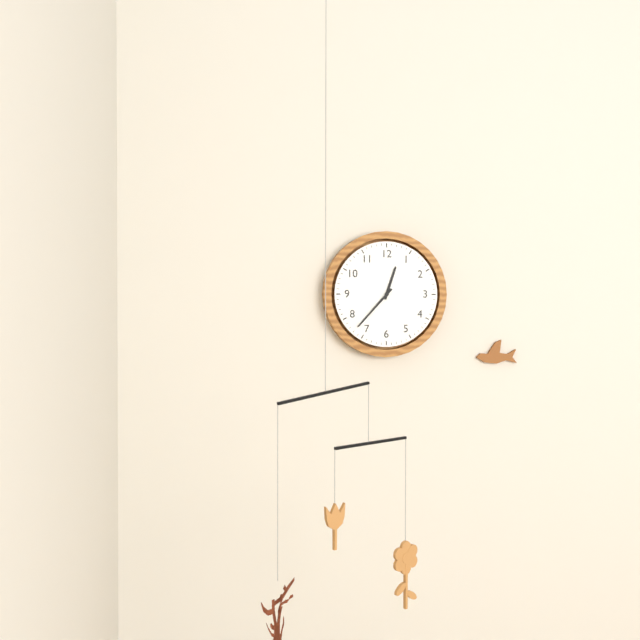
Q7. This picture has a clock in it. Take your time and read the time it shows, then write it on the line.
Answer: 12:37
